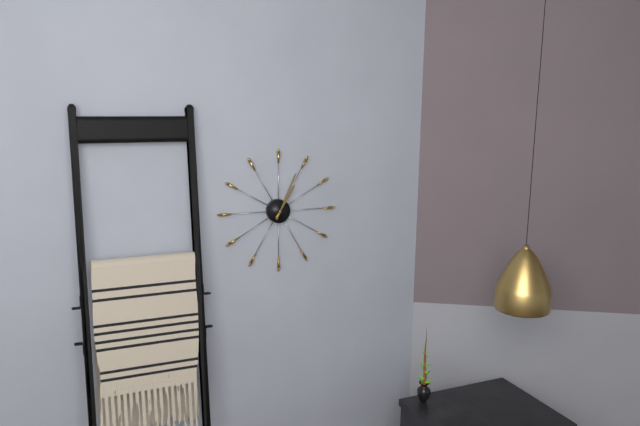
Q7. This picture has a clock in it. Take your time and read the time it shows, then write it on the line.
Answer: 1:04
